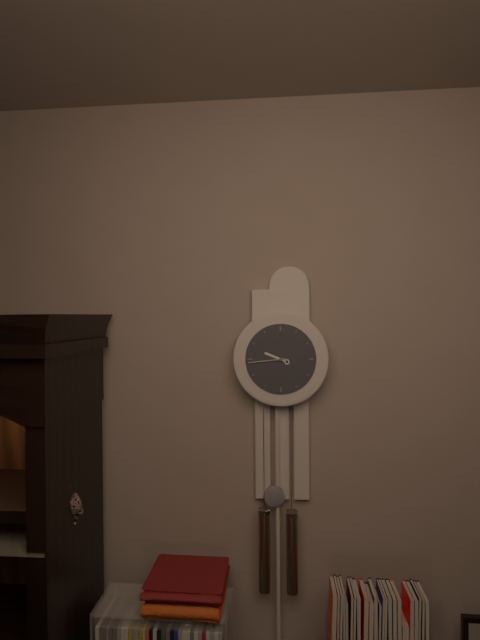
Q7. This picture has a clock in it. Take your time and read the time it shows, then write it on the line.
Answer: 9:44
